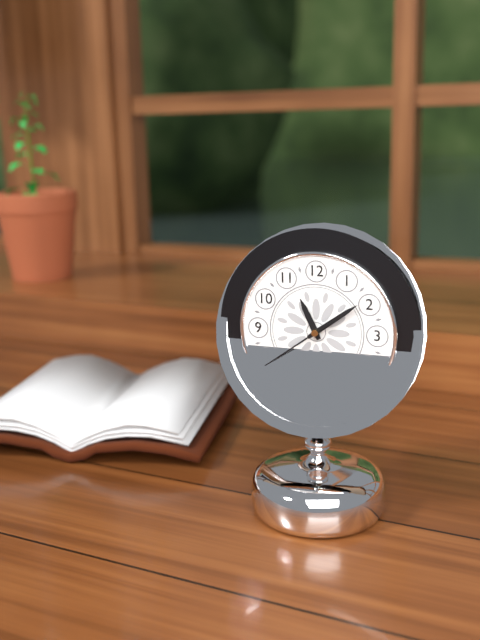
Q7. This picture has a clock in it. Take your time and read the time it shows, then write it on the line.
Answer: 11:09:39
